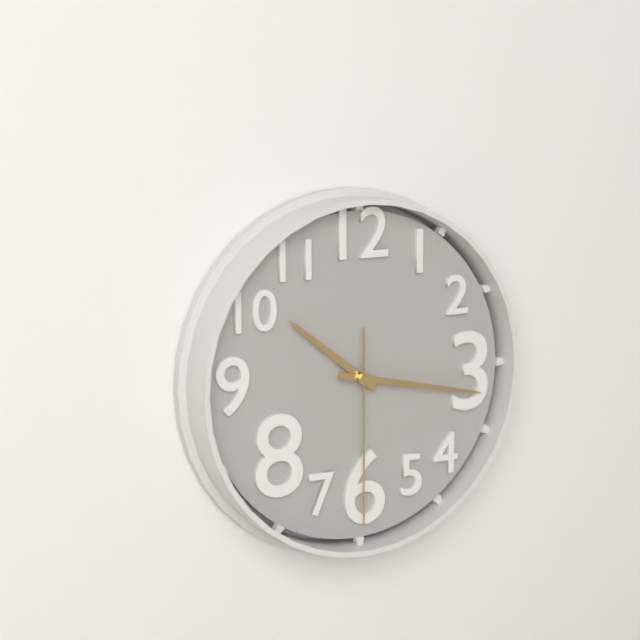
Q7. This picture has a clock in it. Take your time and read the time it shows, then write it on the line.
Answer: 10:17:30
